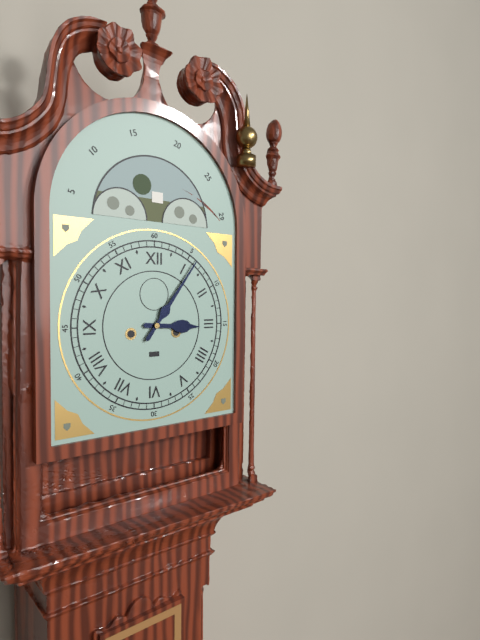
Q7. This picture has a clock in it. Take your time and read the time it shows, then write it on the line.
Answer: 3:06
